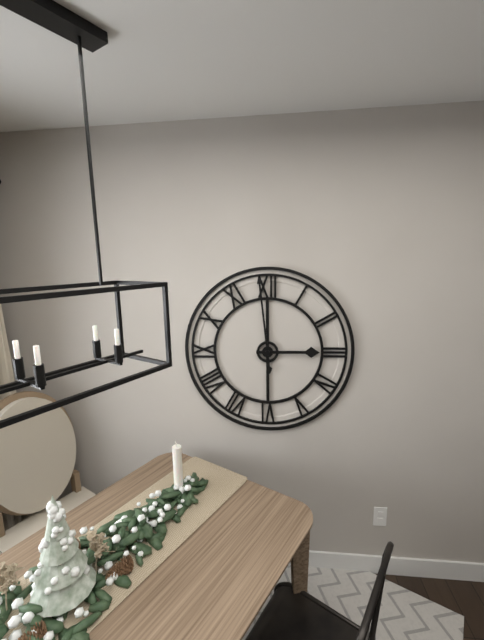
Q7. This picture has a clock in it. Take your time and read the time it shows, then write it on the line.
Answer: 2:59
